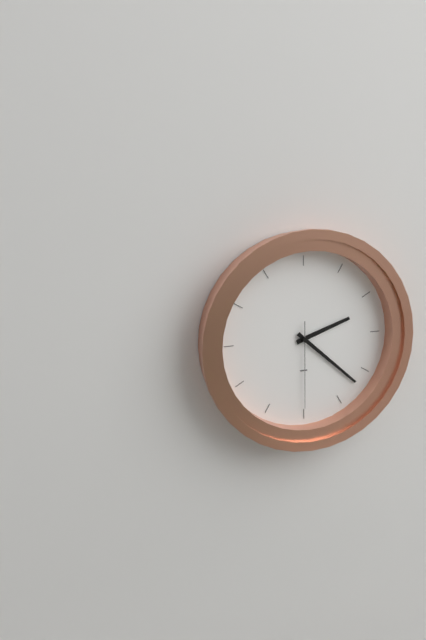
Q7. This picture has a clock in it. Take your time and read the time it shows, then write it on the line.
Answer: 2:22:30
